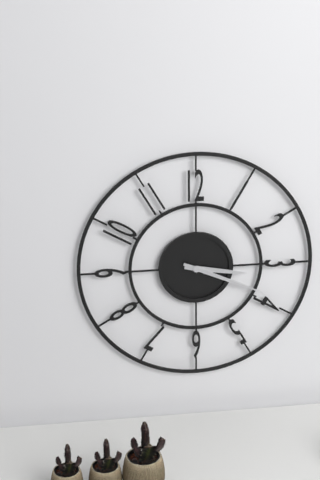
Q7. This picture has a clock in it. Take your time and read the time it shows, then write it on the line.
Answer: 3:19
